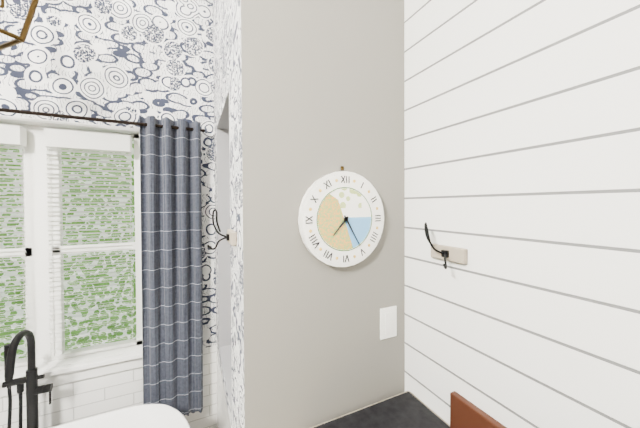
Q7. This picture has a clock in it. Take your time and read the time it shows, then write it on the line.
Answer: 7:25
